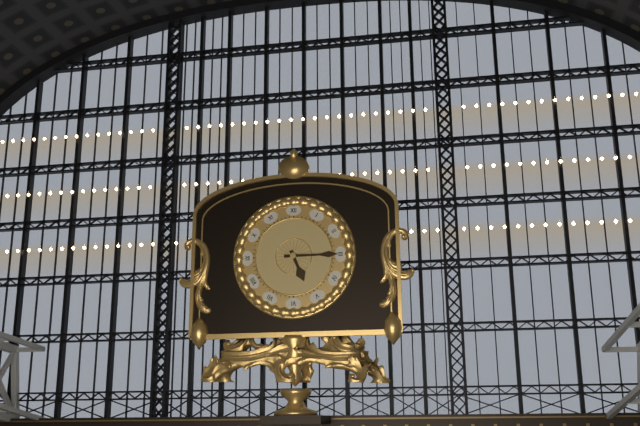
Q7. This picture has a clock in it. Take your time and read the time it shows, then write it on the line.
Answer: 5:15
